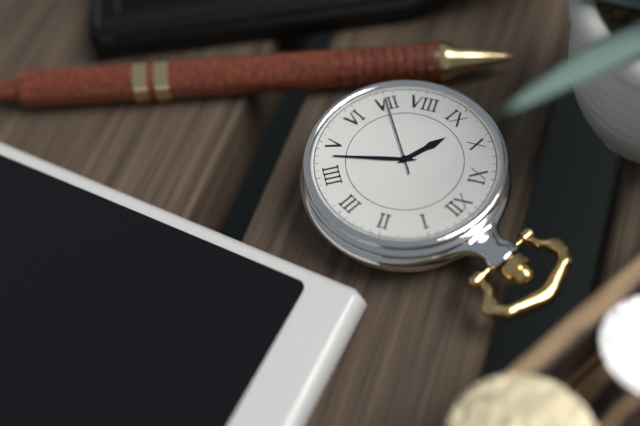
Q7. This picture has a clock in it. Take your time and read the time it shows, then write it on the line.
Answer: 9:23:35
